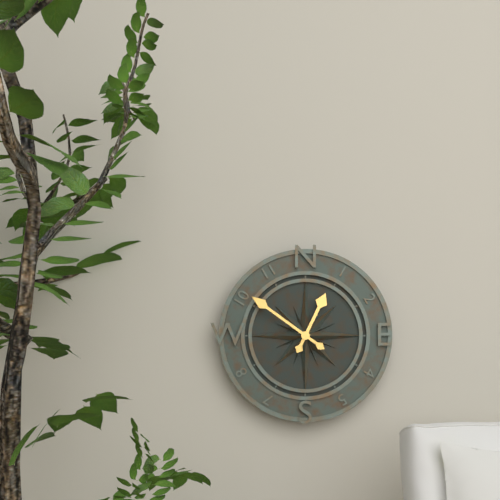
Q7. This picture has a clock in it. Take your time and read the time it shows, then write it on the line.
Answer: 12:51
